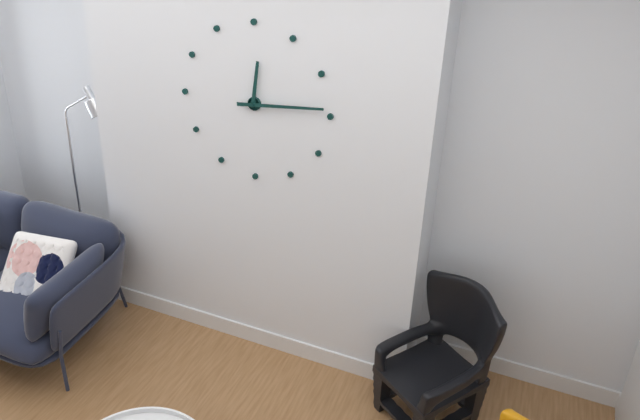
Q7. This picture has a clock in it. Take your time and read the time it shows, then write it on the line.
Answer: 12:14
